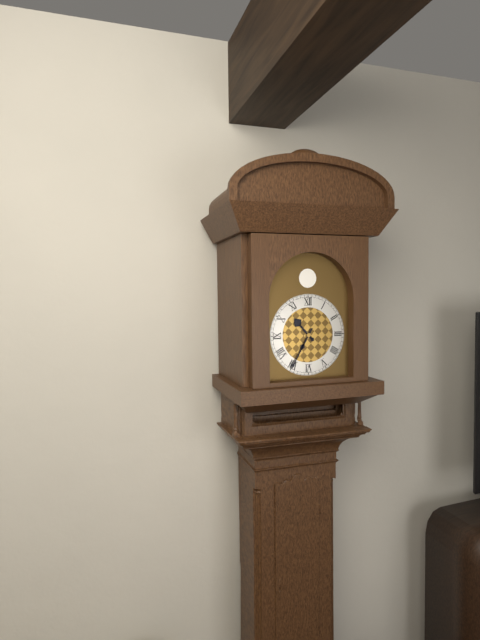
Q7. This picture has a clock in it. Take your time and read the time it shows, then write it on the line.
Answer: 10:35
